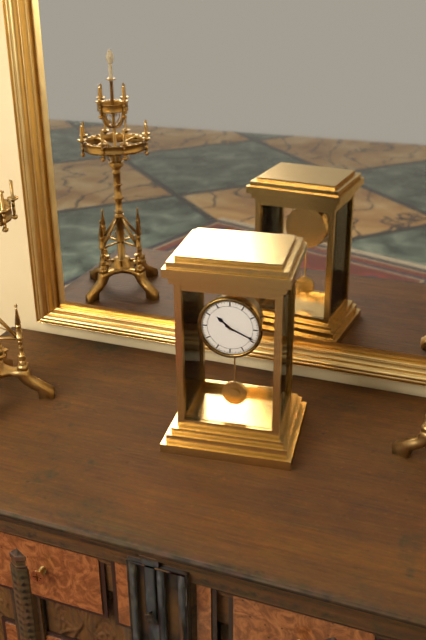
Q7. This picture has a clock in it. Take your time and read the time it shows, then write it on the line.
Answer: 10:19
